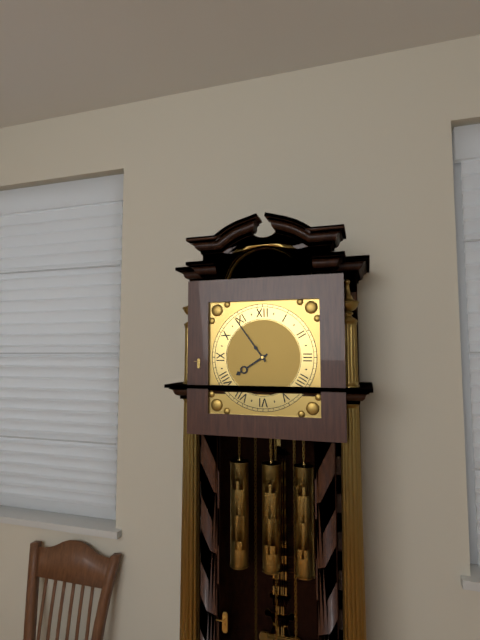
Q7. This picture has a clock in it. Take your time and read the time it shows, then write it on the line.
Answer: 7:54
